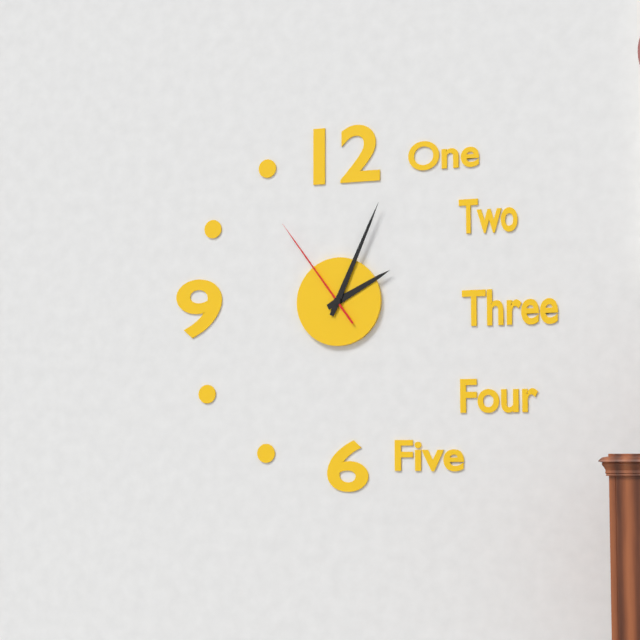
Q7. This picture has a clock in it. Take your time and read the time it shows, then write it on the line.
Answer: 2:04:54
